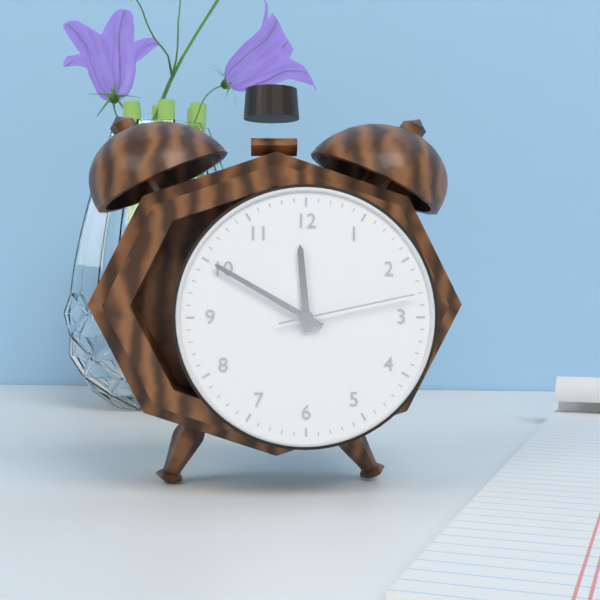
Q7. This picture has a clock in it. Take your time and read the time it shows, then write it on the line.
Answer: 11:50:13
